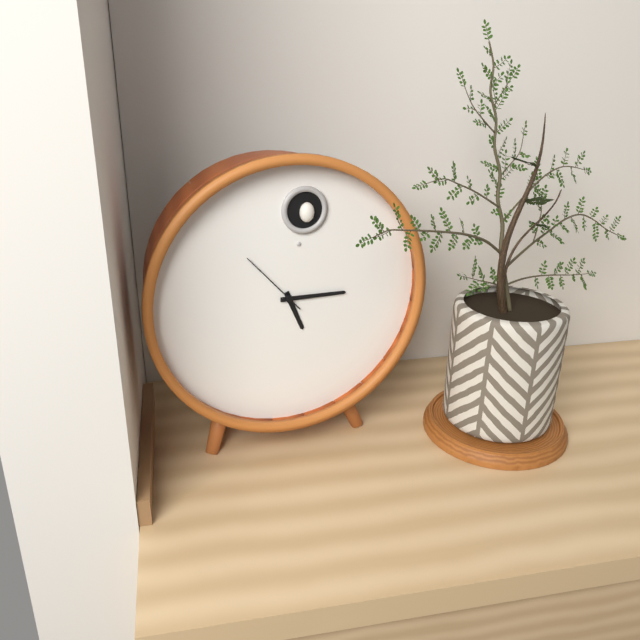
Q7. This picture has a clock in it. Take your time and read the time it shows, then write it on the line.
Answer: 5:15:53
